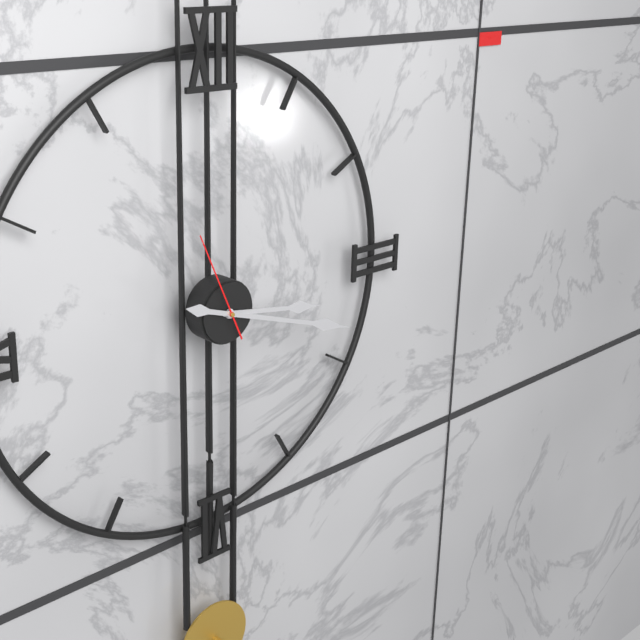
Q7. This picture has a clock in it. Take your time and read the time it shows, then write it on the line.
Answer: 3:18:56
